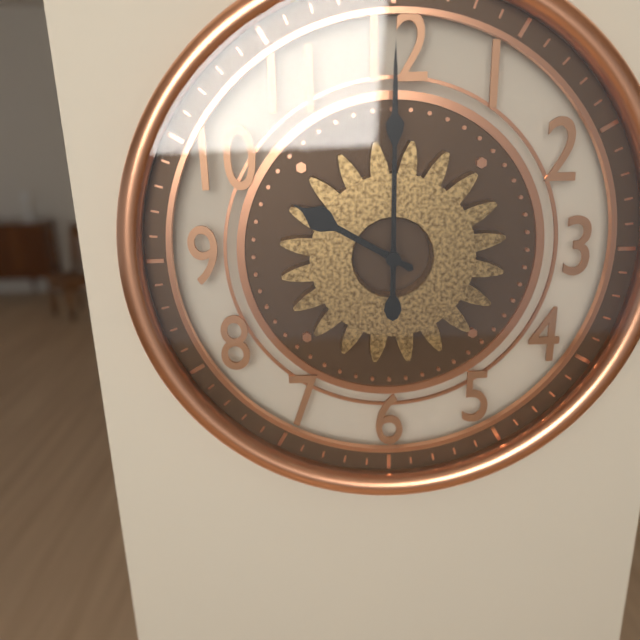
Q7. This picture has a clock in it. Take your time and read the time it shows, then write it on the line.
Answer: 10:00
